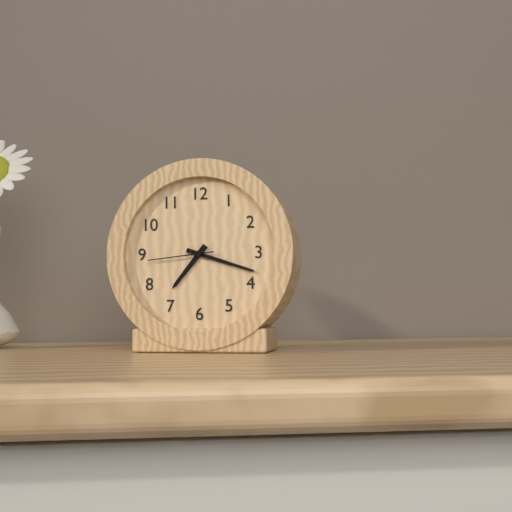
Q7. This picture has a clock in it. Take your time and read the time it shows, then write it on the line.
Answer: 7:18:44
